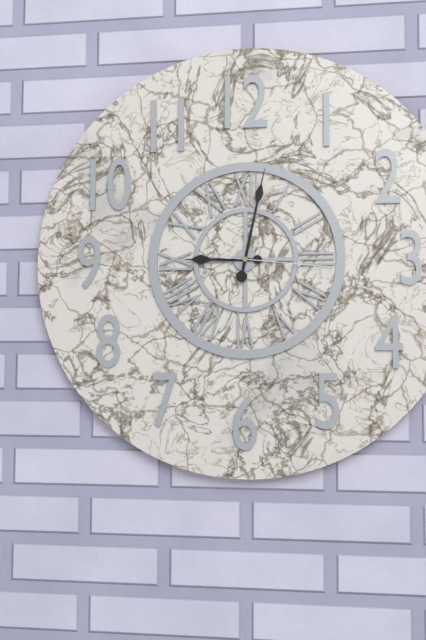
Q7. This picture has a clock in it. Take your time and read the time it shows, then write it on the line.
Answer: 9:02:16
